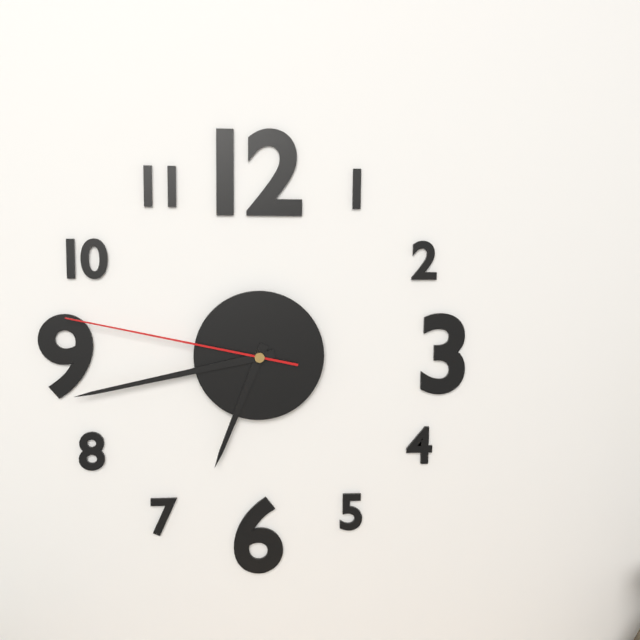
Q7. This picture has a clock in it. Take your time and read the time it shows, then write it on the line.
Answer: 6:43:47
